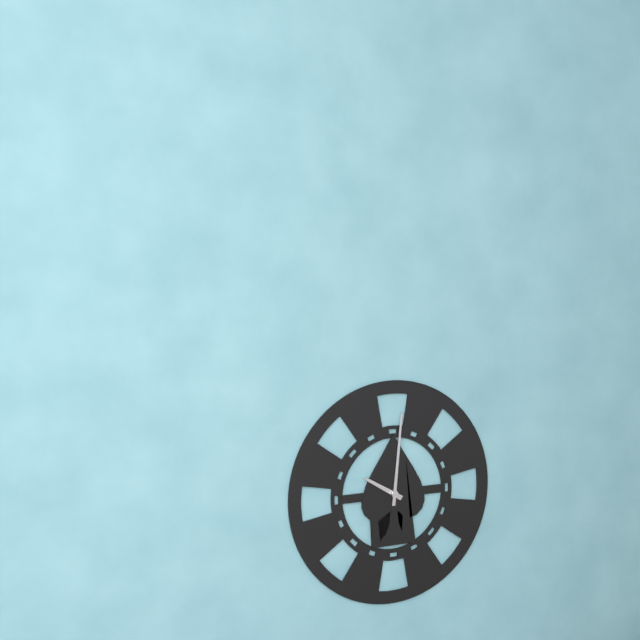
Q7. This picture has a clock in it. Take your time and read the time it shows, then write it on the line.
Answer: 10:01
